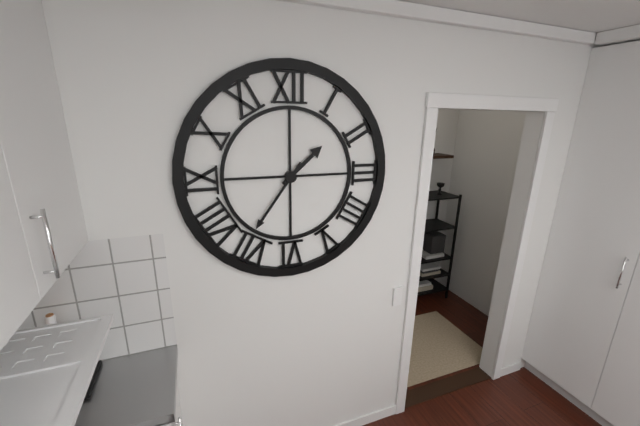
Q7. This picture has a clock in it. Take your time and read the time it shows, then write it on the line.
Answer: 1:36
